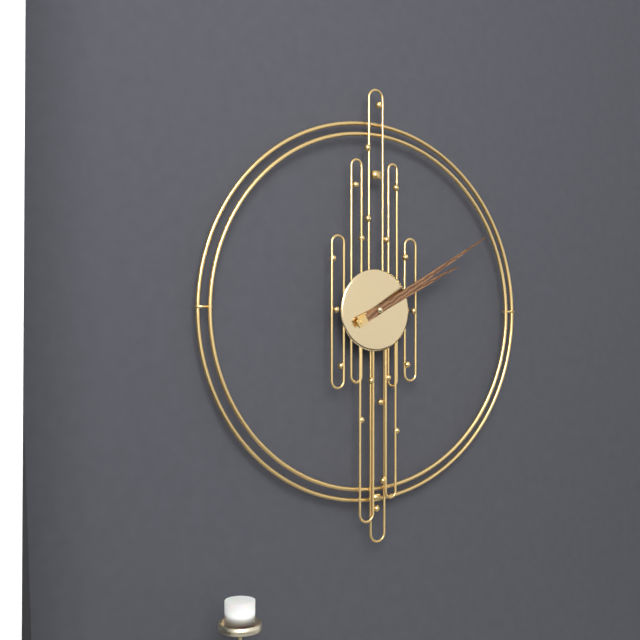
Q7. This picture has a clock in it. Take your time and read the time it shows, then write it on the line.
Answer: 2:10
